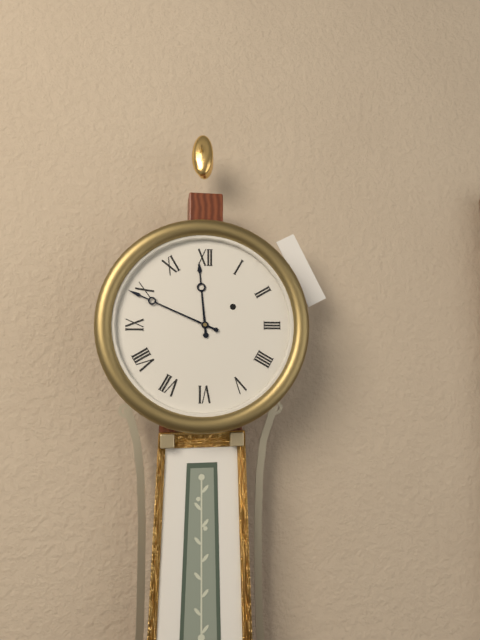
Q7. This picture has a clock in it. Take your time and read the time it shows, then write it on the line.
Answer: 11:49
